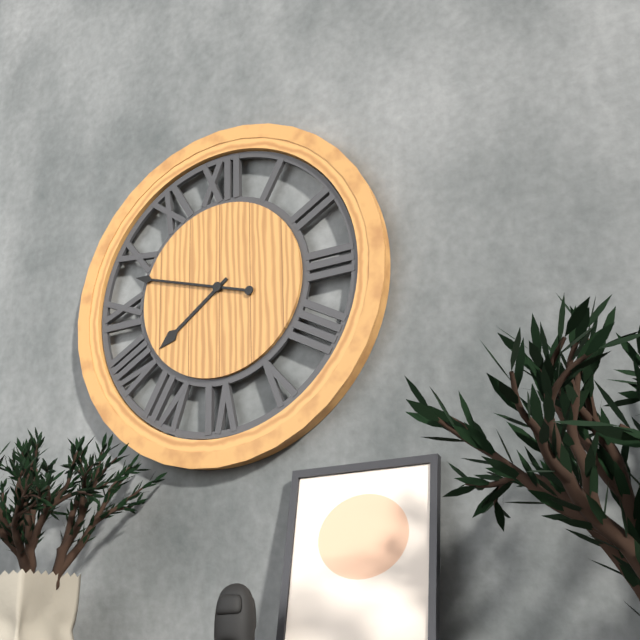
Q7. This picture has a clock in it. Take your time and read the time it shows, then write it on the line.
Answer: 7:48
